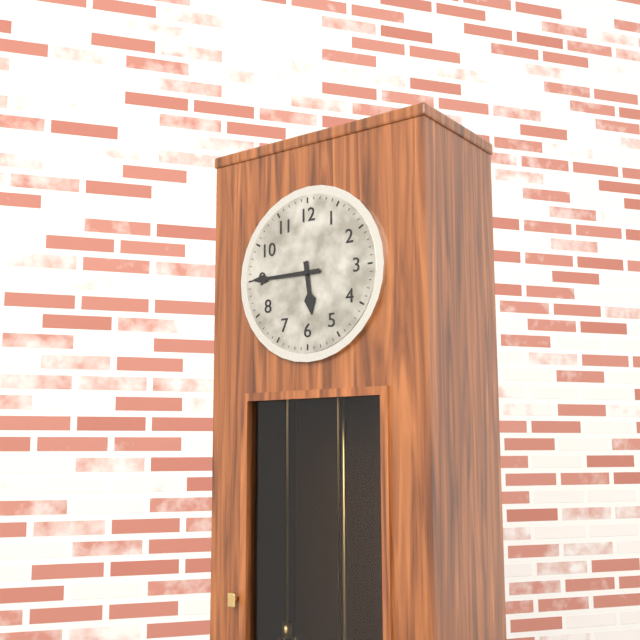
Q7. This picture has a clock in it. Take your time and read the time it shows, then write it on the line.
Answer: 5:45
